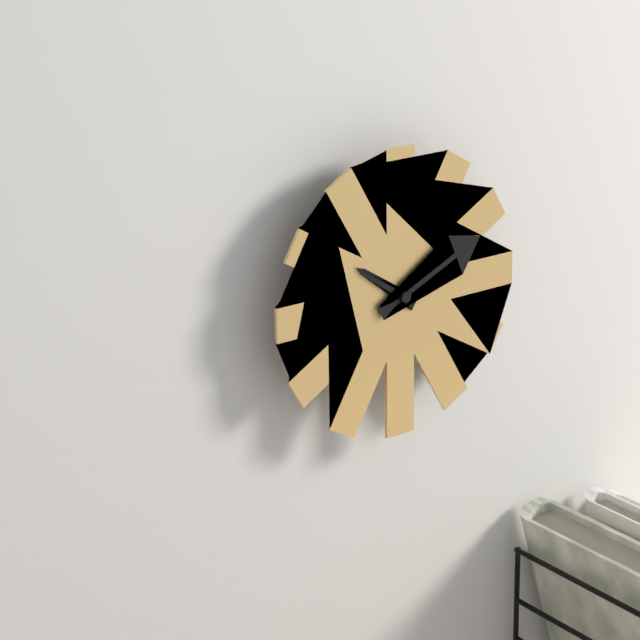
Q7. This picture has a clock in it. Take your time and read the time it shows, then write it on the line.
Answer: 10:11
